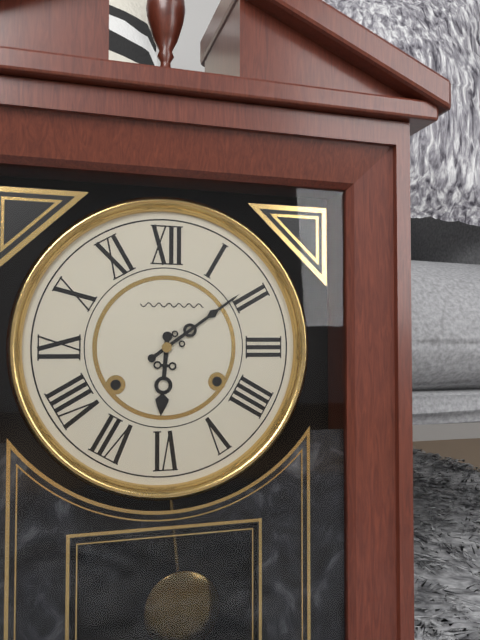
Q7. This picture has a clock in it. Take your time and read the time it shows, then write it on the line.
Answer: 6:09
